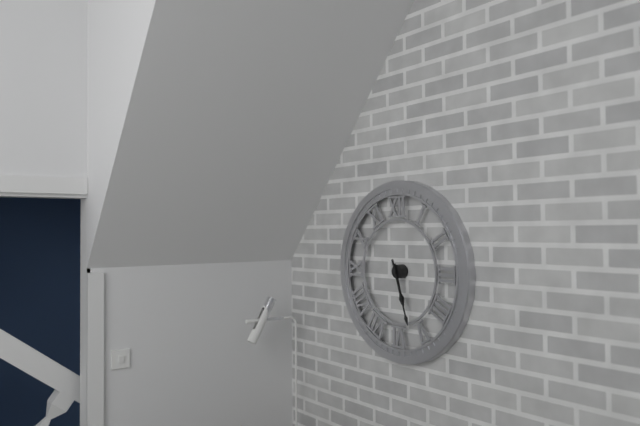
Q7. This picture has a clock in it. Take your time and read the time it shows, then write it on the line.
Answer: 5:27
